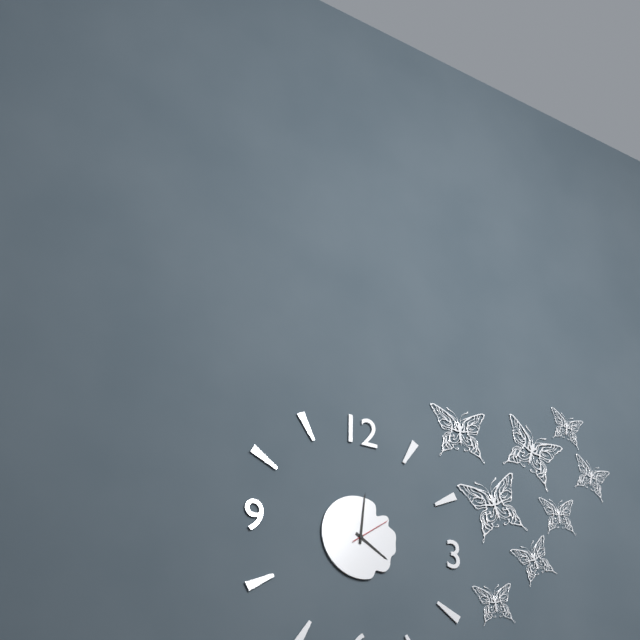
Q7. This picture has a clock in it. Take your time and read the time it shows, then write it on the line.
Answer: 4:01
